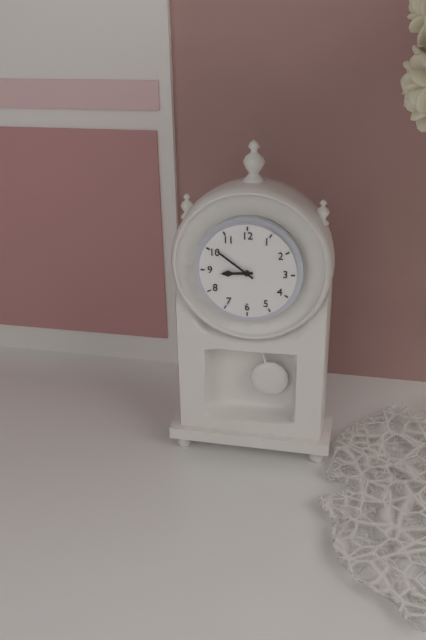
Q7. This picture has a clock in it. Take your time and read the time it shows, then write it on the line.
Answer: 8:51
